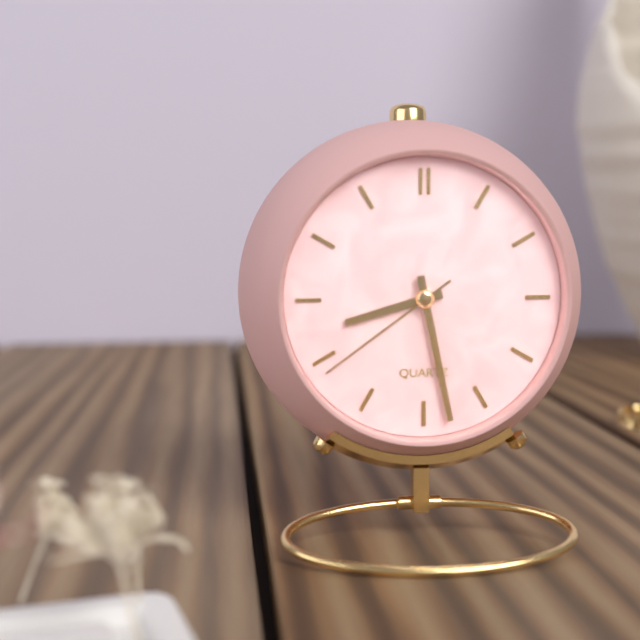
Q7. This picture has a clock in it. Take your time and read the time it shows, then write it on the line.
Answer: 8:28:39
